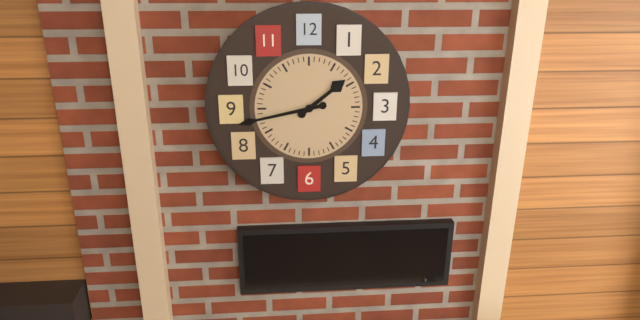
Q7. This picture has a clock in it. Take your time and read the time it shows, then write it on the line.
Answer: 1:43
